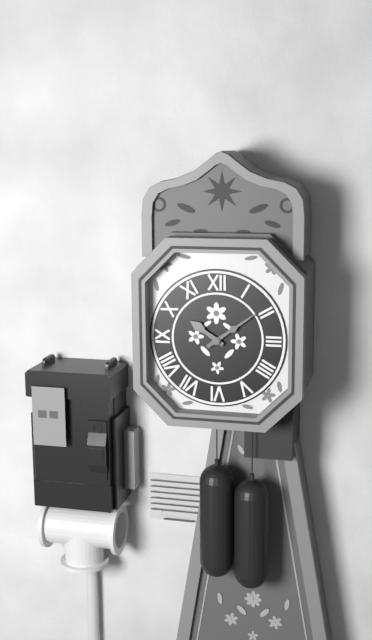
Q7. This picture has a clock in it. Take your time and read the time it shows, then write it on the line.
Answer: 10:09
